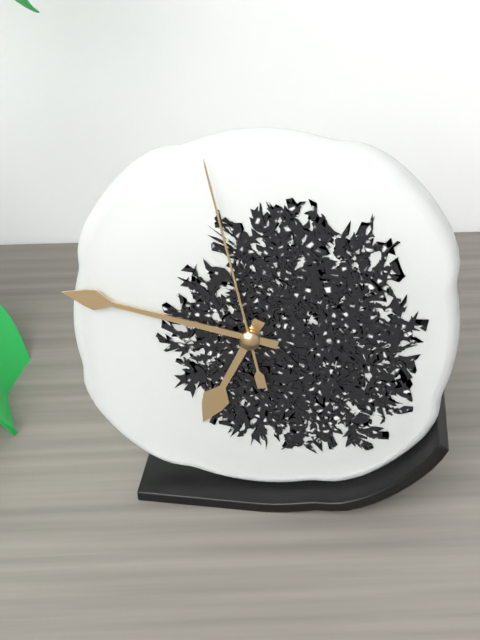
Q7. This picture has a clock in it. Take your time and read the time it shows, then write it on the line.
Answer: 6:47:58
